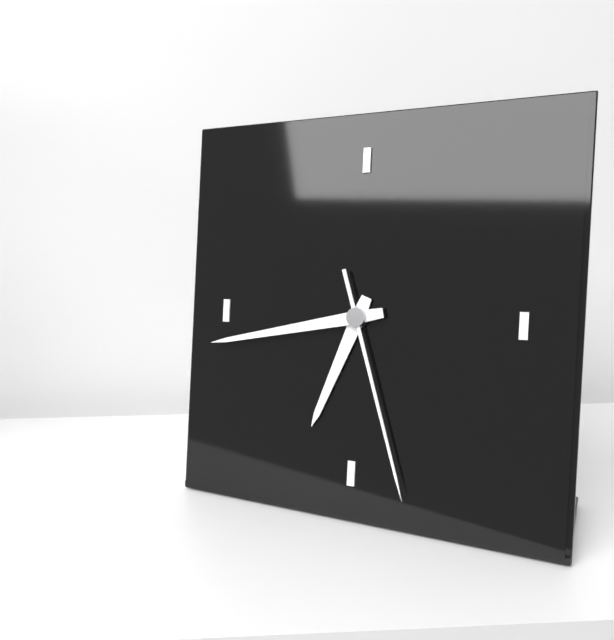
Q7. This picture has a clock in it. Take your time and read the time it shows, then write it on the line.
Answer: 6:43:27
